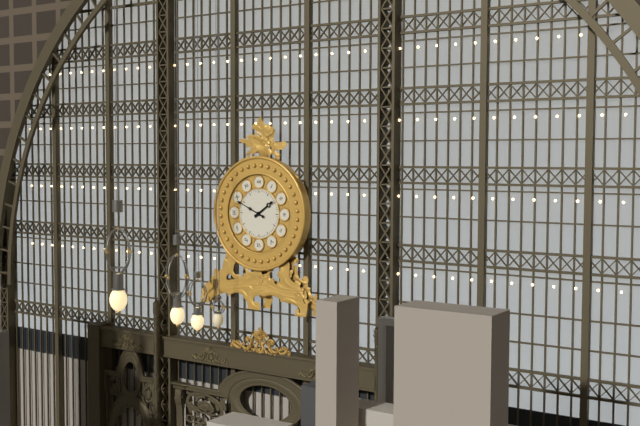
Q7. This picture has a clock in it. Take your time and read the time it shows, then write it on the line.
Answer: 1:49
